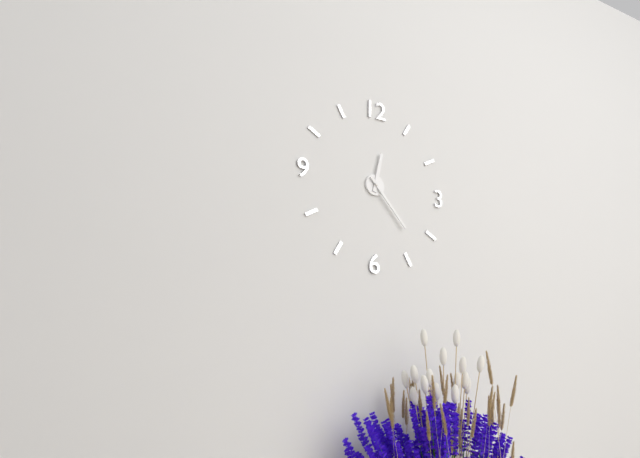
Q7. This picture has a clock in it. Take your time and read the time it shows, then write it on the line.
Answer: 12:23
